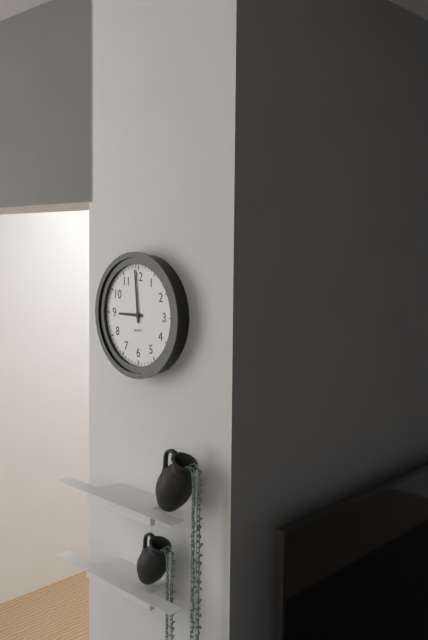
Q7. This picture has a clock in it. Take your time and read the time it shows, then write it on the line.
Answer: 8:59
